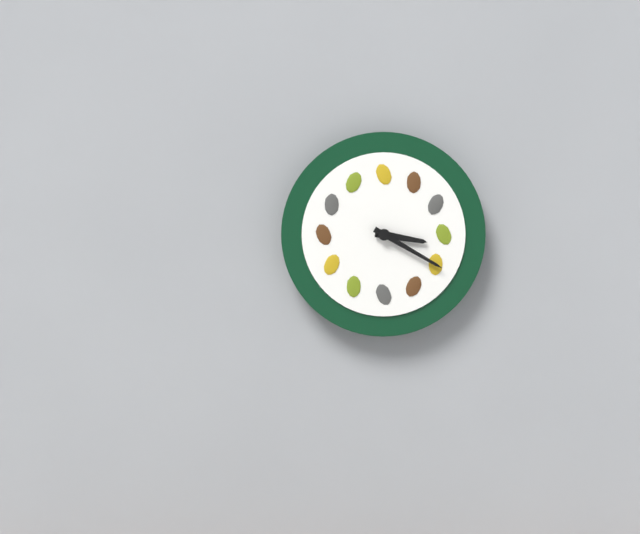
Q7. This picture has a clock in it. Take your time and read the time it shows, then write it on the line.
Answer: 3:20
